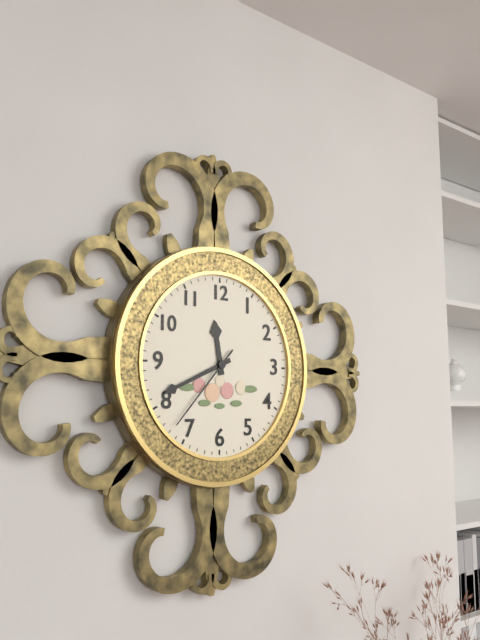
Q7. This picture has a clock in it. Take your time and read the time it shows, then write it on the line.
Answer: 11:41:37
